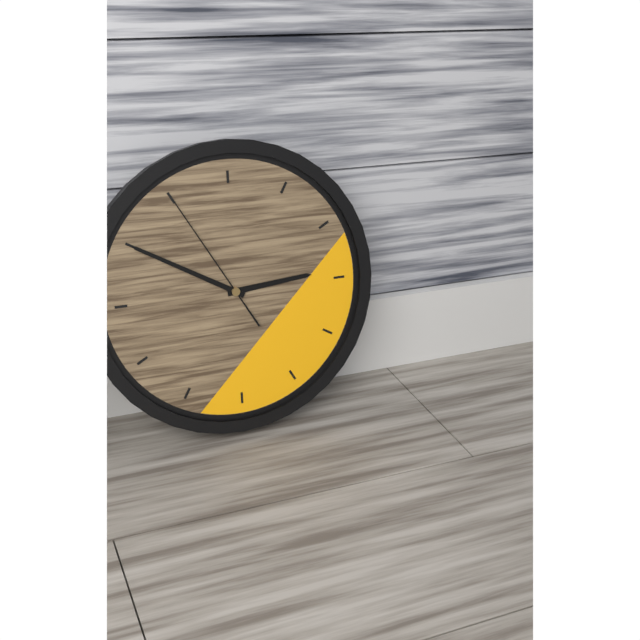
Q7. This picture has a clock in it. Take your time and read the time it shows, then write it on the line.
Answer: 2:50:55
